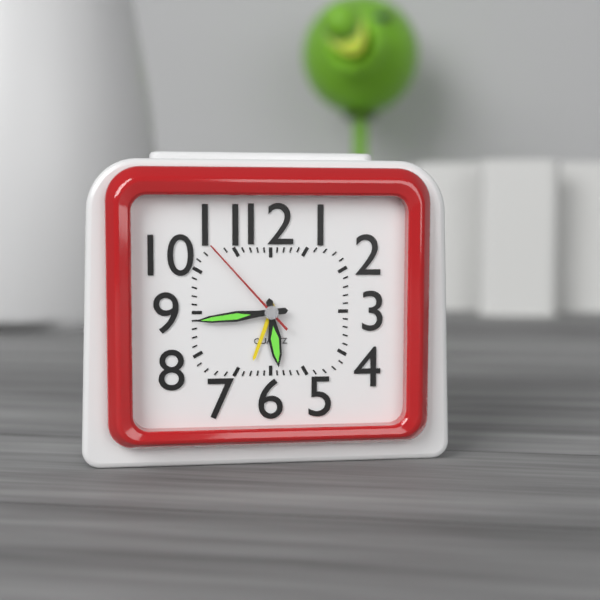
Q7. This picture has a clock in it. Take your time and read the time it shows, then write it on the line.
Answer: 5:44:53
